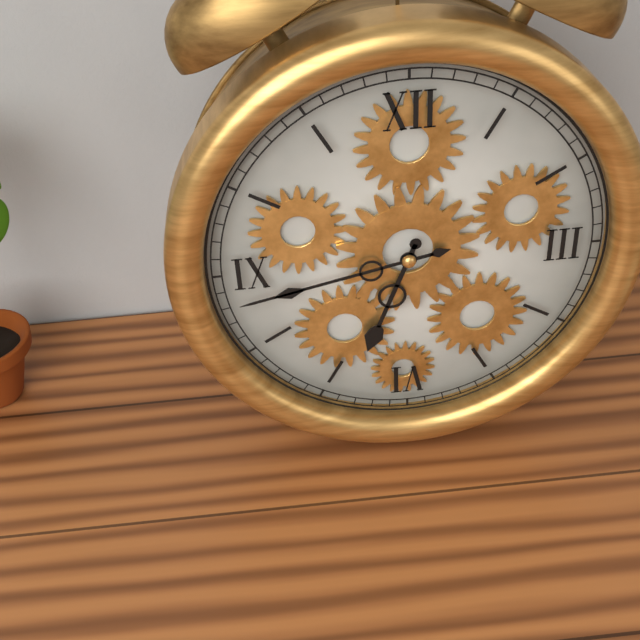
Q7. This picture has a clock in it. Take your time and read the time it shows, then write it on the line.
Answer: 6:43
